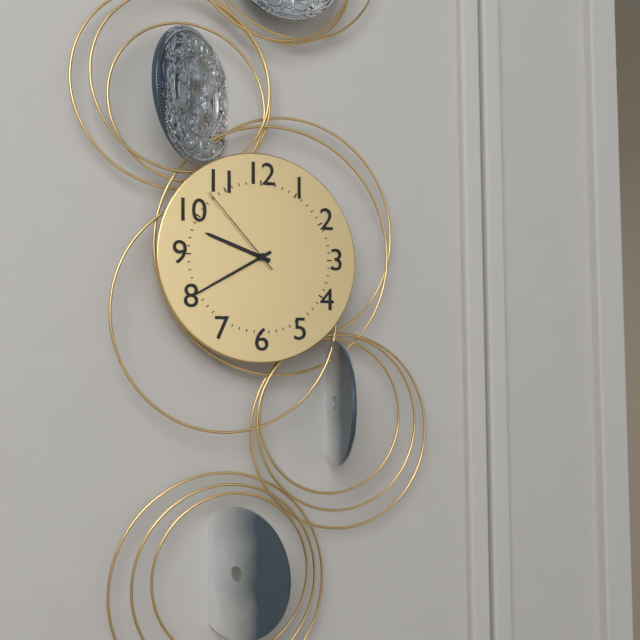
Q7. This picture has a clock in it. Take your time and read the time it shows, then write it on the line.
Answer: 9:40:53
